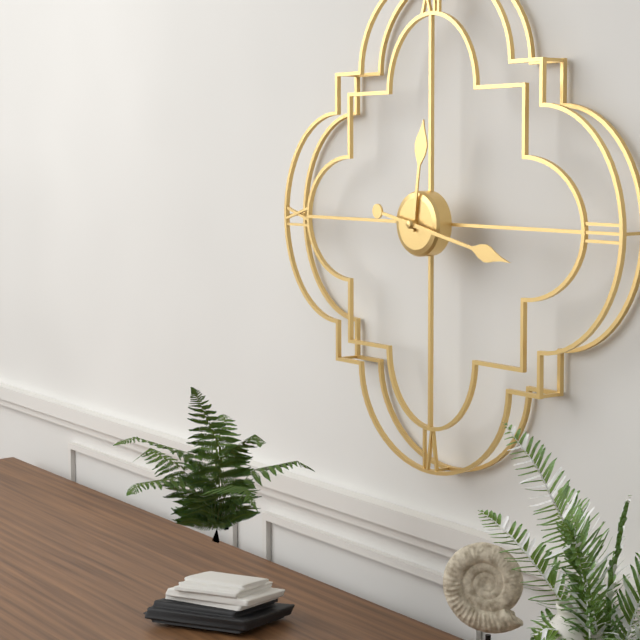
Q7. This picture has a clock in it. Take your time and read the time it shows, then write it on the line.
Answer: 12:17
